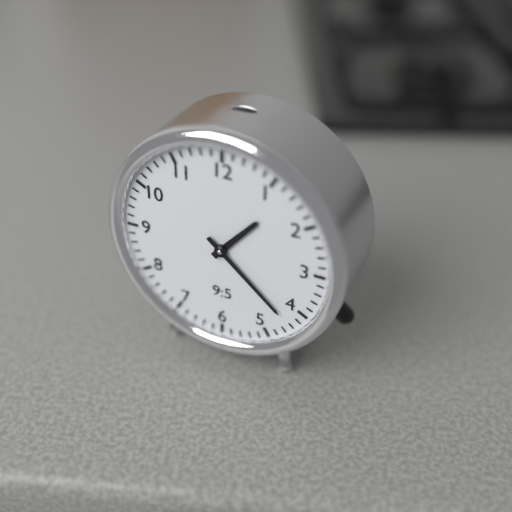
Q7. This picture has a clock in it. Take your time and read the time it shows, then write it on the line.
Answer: 1:22
